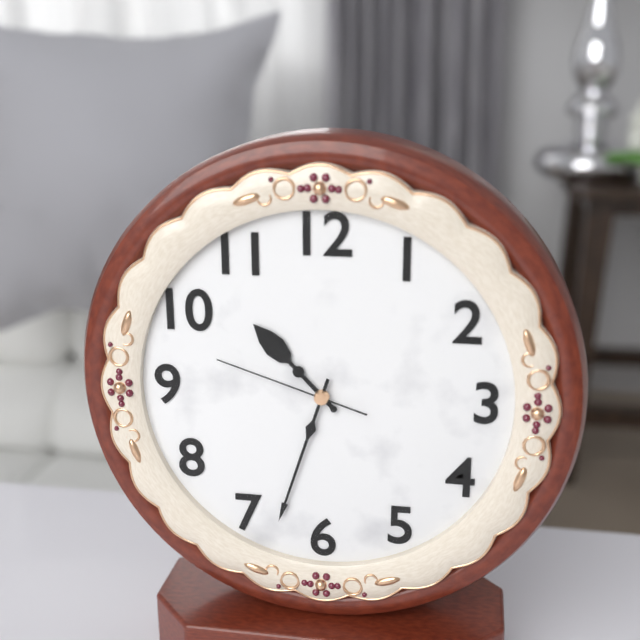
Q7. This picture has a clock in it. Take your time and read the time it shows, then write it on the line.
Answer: 10:33:48
